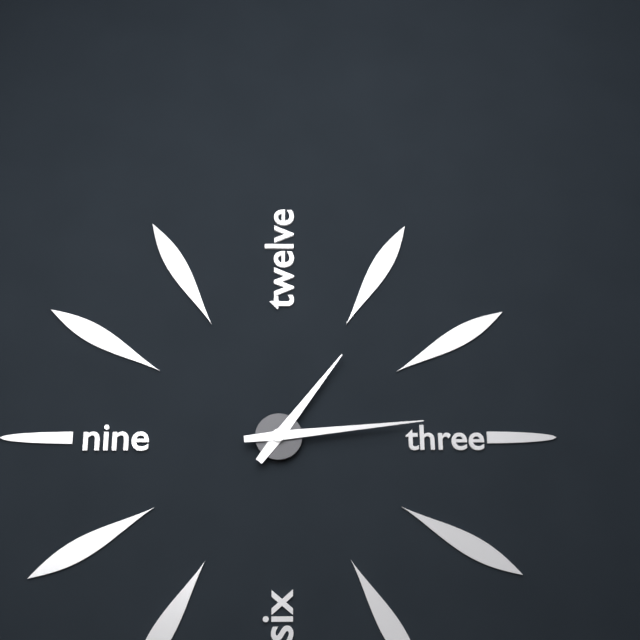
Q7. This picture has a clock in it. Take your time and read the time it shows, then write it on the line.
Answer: 1:14
